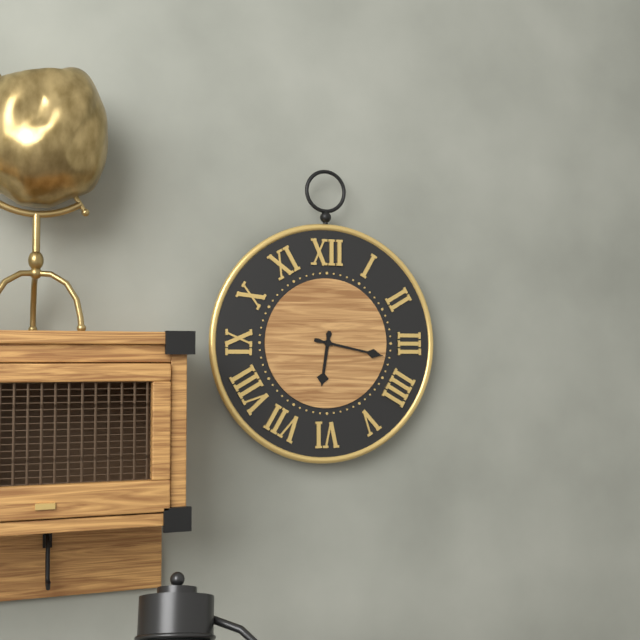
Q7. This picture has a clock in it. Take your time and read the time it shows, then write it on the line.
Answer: 6:17
